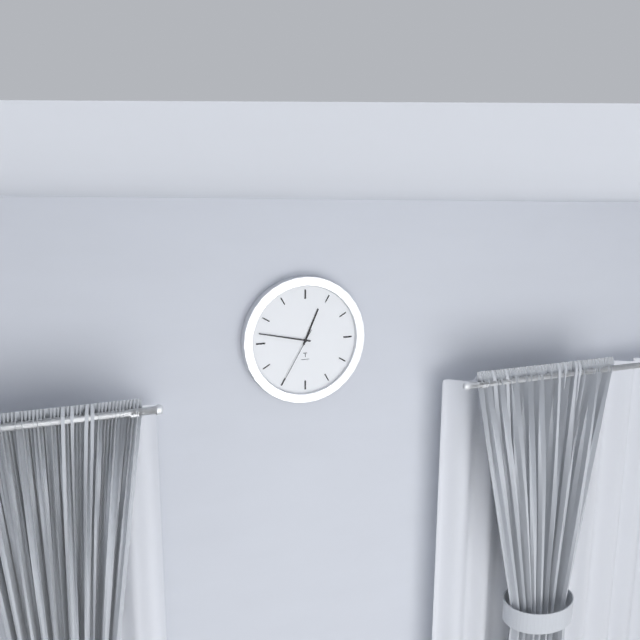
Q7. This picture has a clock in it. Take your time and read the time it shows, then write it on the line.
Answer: 12:47:35
